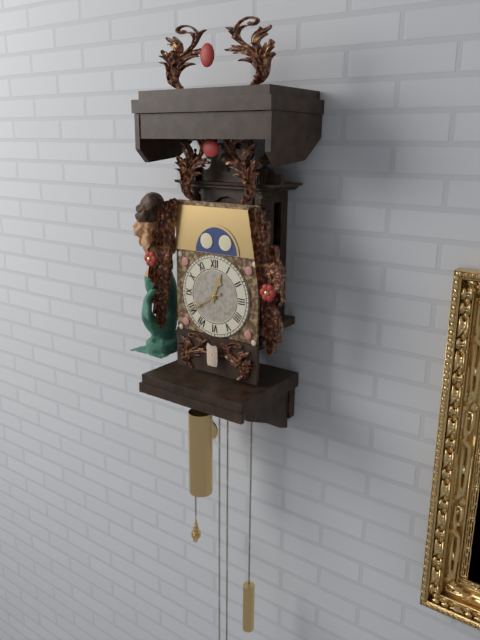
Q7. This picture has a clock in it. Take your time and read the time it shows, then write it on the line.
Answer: 12:40
